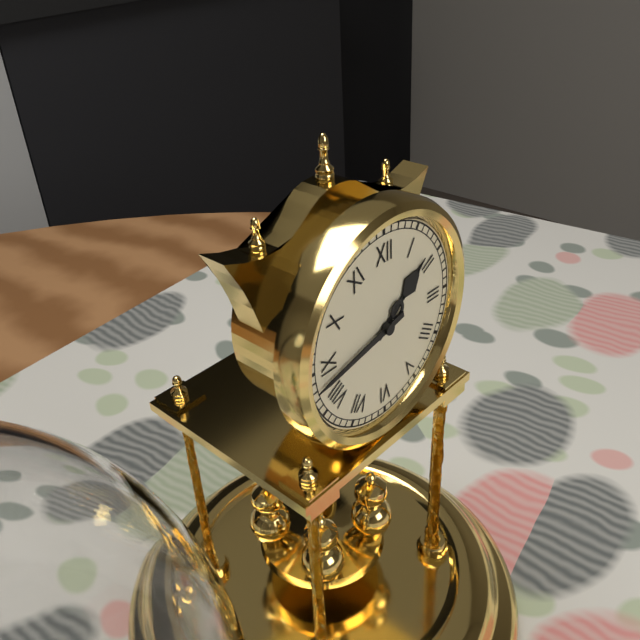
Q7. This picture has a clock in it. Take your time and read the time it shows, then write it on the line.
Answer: 1:43
